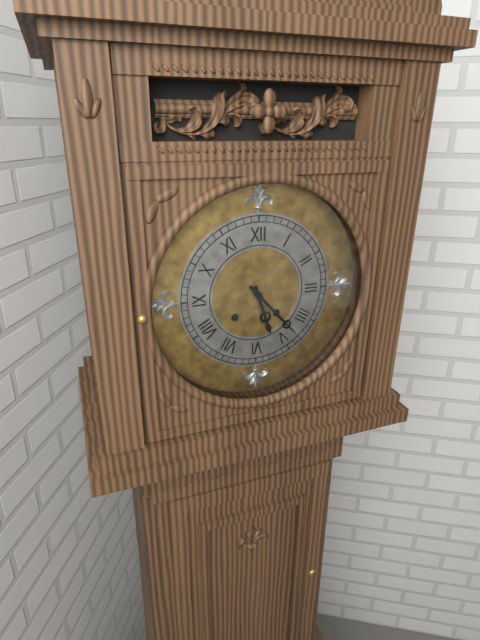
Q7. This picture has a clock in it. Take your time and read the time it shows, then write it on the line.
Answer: 5:23
